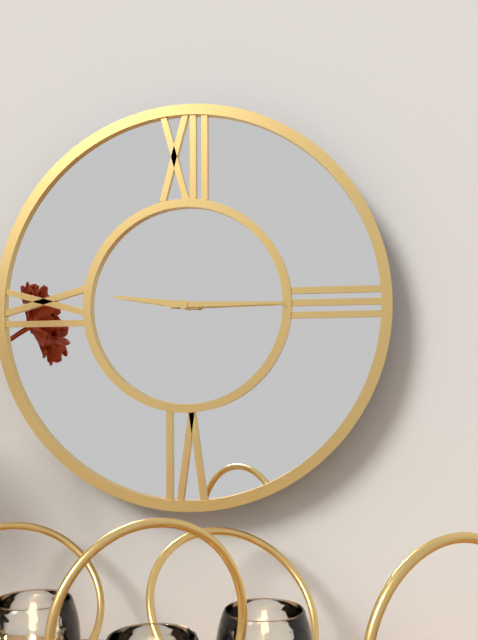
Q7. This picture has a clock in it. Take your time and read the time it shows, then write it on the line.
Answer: 9:15
